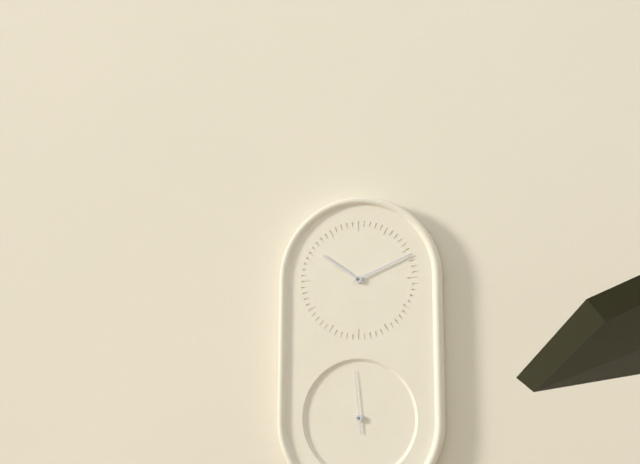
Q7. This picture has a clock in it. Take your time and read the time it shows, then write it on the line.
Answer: 10:11:59
